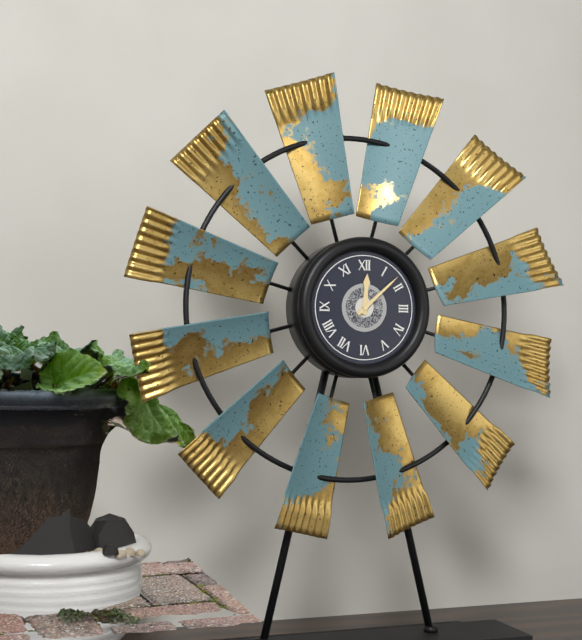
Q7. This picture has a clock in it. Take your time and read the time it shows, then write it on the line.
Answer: 12:08
